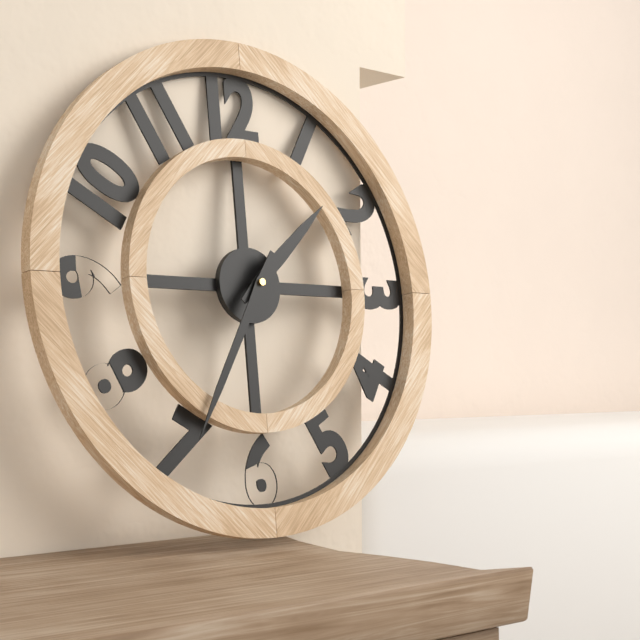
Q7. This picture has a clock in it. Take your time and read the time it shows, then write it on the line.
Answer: 1:35
